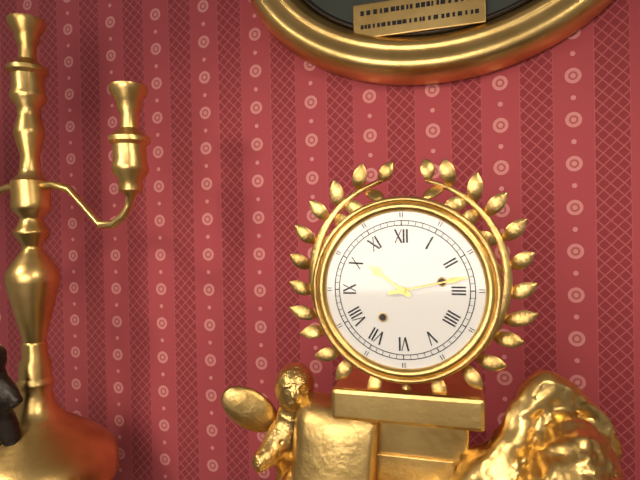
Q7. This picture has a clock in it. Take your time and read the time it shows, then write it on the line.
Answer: 10:13
